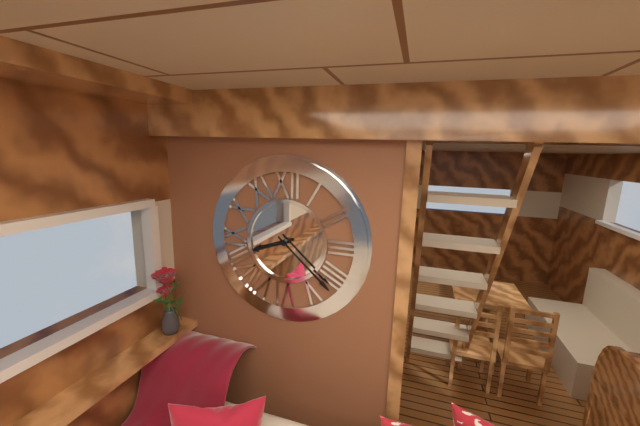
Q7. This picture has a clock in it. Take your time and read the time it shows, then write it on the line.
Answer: 8:22
